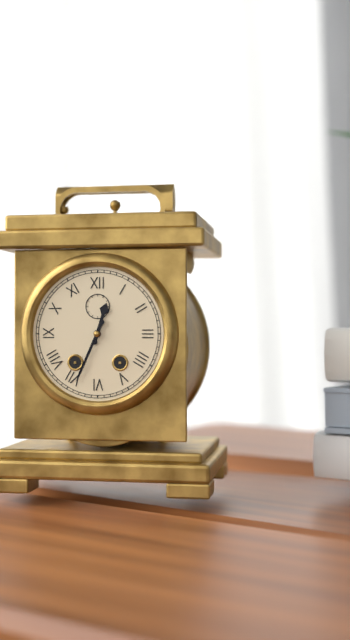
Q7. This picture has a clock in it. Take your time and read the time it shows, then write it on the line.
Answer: 12:34
